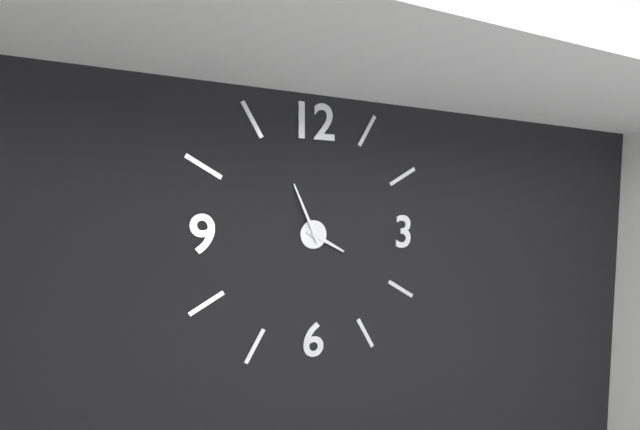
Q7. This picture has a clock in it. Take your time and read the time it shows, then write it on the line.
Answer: 3:56
